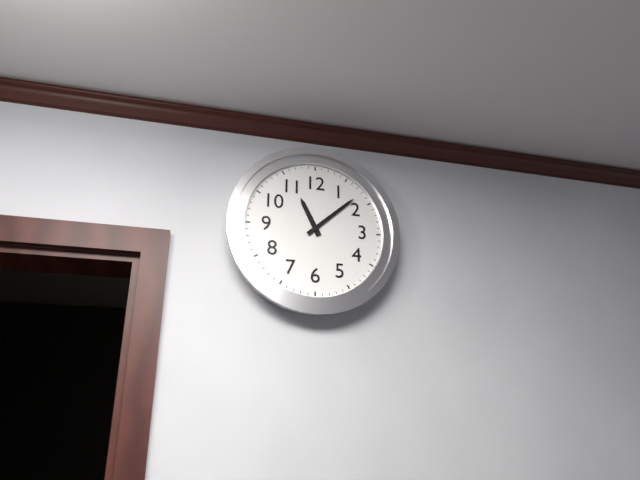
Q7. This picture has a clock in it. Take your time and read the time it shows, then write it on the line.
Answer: 11:08
